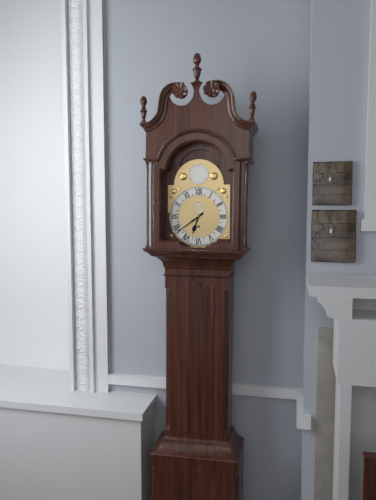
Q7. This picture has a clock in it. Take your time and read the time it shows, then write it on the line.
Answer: 6:39
